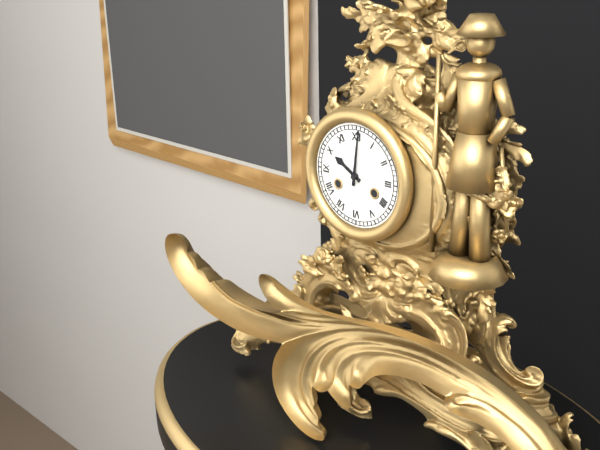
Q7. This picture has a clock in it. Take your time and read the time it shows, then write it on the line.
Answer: 10:01
